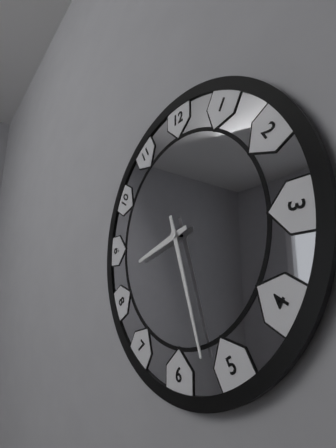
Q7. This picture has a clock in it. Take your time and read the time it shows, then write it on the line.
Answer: 8:27
